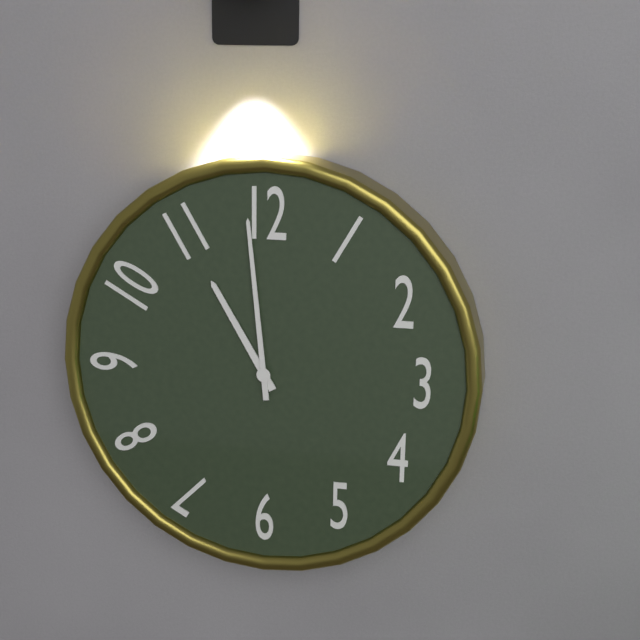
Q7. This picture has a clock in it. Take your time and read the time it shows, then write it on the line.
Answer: 10:59
